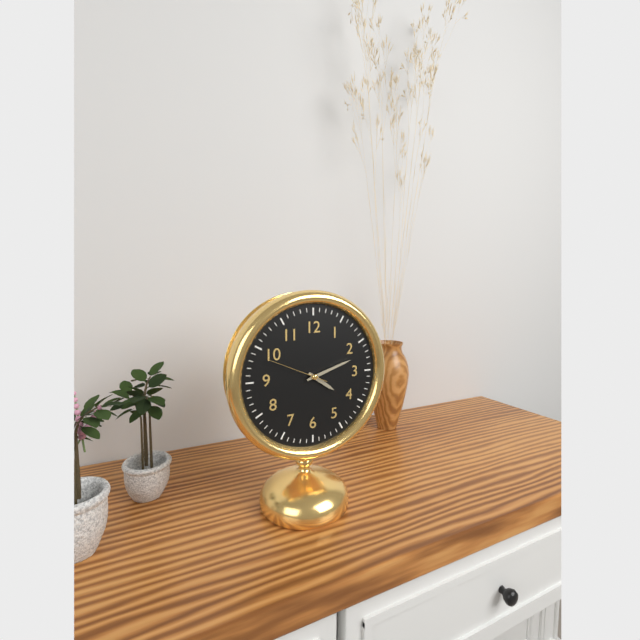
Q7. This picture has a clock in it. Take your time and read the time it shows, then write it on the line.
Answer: 4:12:49
